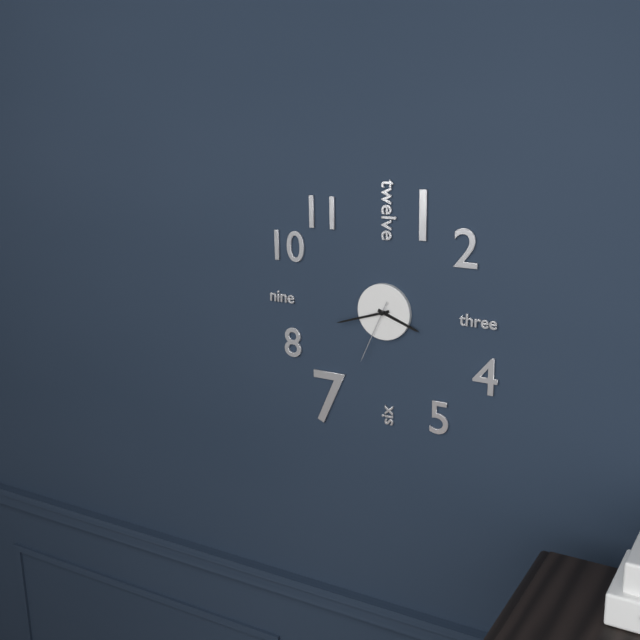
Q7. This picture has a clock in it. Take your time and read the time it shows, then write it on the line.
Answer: 3:42:34
